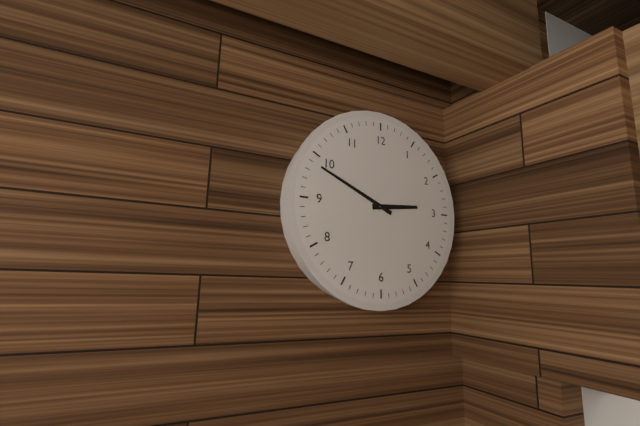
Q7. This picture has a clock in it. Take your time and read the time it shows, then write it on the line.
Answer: 2:49
